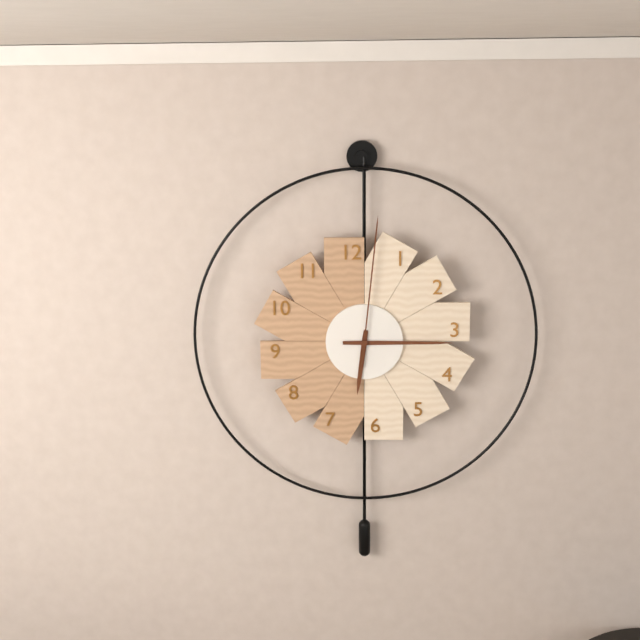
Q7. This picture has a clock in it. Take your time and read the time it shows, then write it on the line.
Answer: 6:15:01
